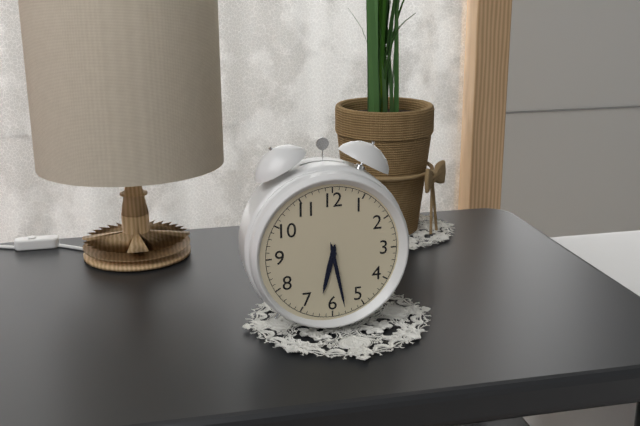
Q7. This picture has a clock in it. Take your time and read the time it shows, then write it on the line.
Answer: 6:28
